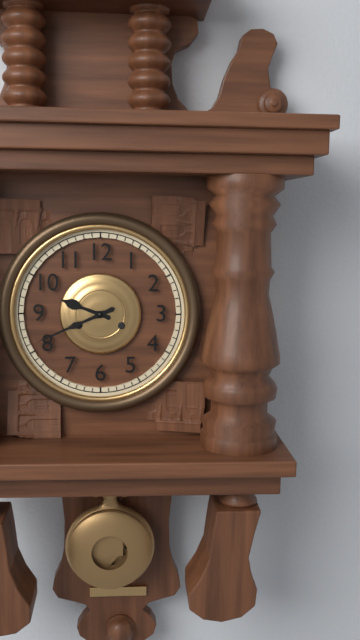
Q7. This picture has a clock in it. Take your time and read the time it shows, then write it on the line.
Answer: 9:41
